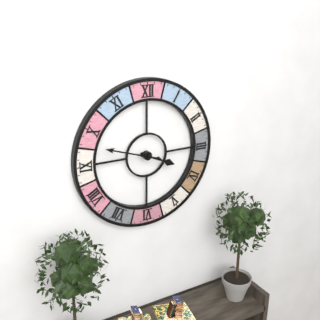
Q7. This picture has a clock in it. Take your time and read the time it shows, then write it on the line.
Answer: 3:48
